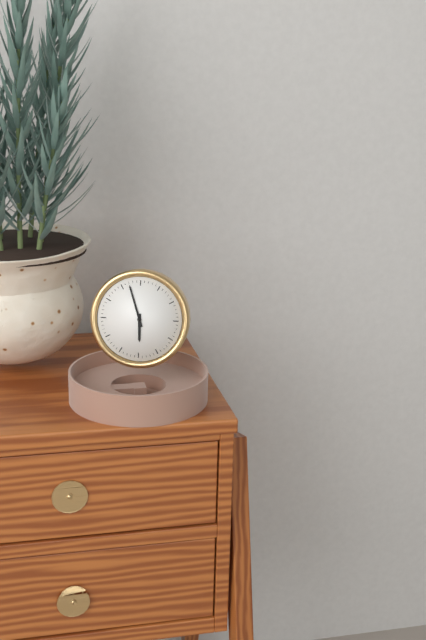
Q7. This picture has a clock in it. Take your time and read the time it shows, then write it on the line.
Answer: 5:57
